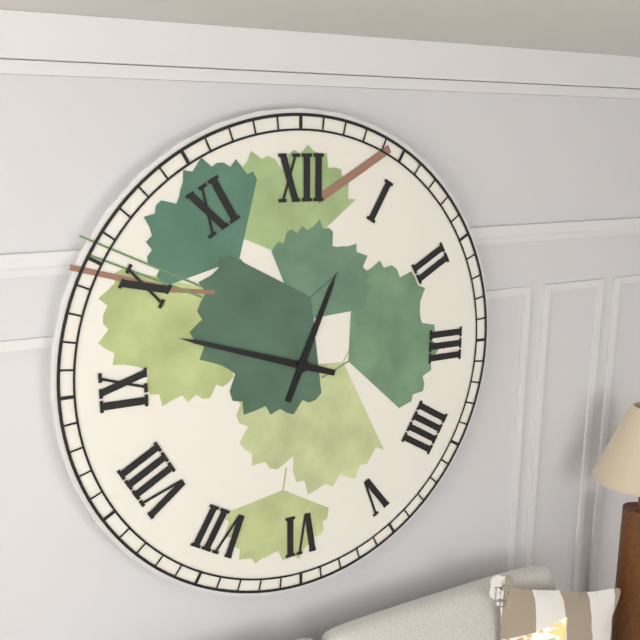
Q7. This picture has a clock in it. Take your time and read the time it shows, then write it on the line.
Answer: 12:48
